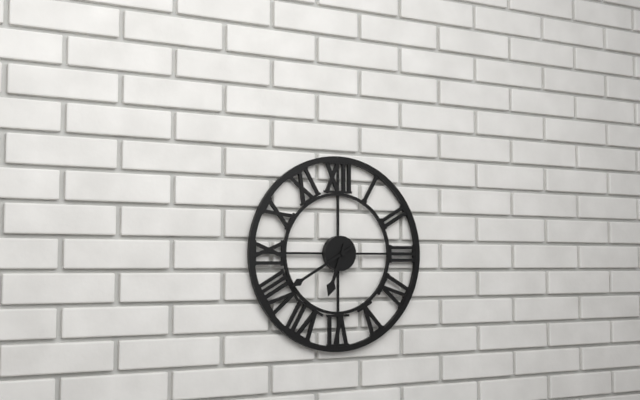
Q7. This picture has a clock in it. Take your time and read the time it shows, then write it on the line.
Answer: 6:40
